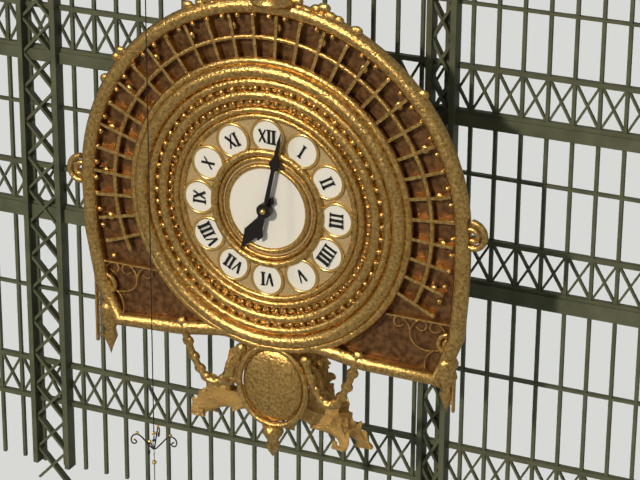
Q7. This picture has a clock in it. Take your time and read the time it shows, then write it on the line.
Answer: 7:02
